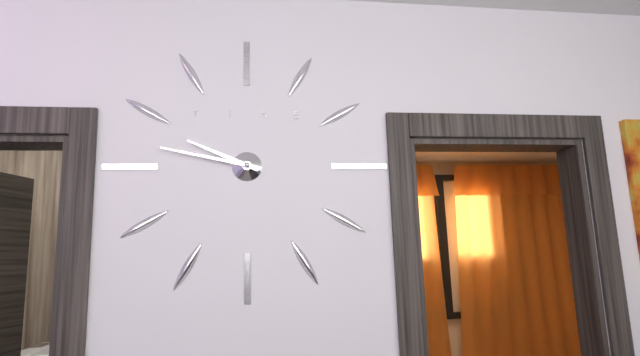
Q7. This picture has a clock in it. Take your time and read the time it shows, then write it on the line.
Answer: 9:47
